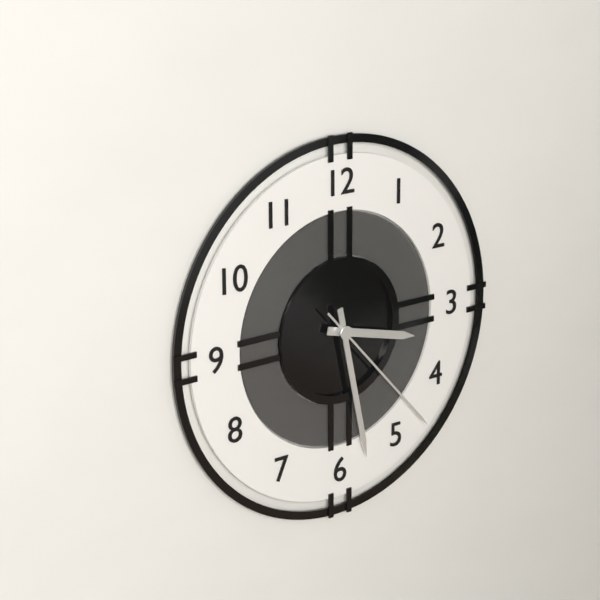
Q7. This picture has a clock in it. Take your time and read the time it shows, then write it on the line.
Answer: 3:28:23
